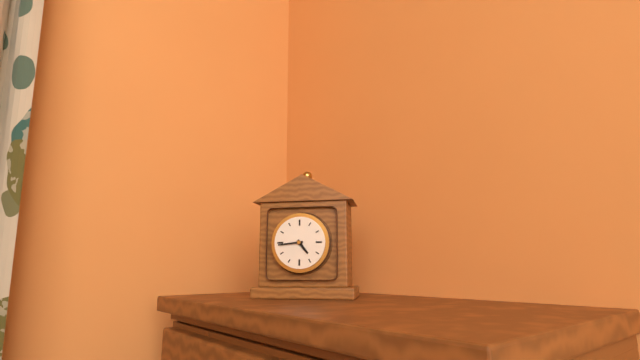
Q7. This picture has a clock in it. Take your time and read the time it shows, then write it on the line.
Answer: 4:44
